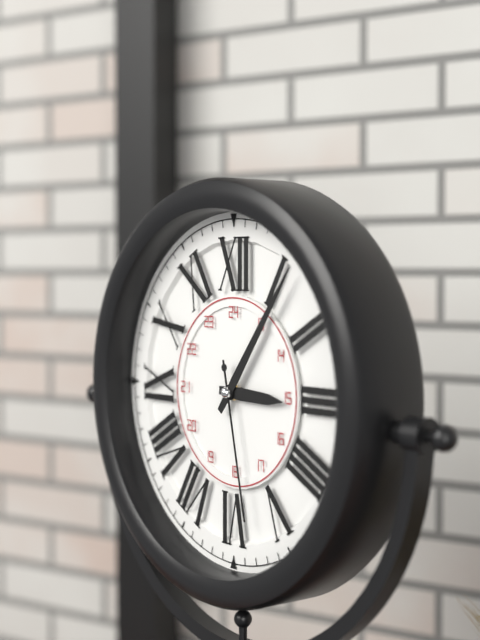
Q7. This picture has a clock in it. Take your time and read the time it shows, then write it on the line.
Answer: 3:06:28
